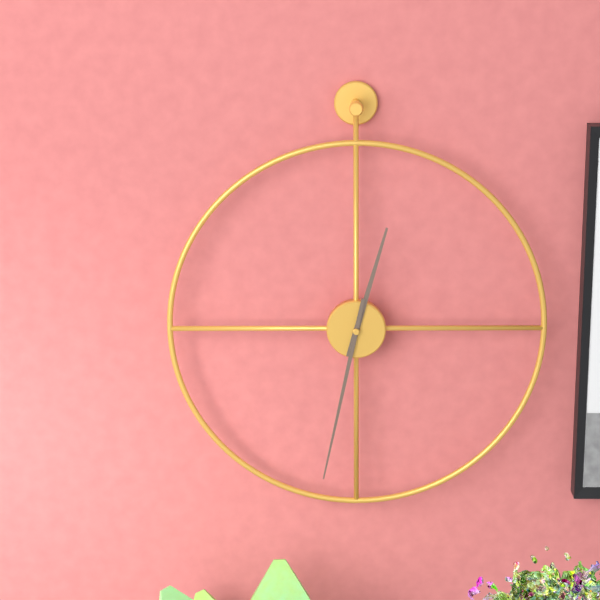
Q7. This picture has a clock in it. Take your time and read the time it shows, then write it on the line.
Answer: 12:32
